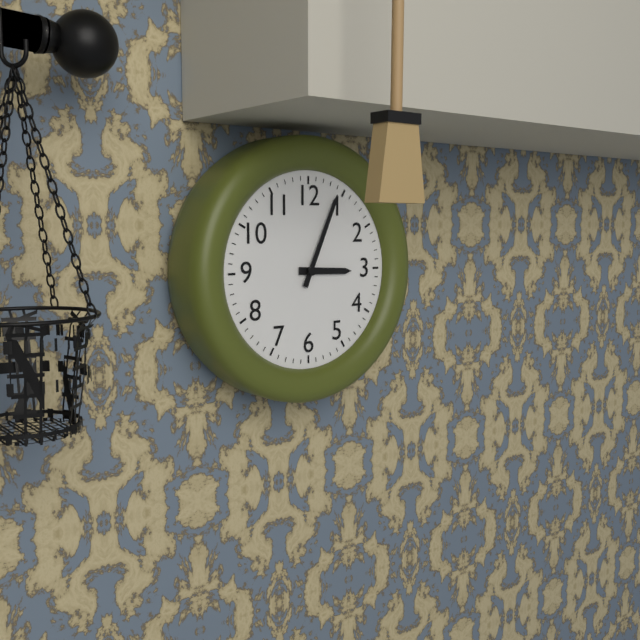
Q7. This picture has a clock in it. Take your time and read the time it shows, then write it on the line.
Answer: 3:04
